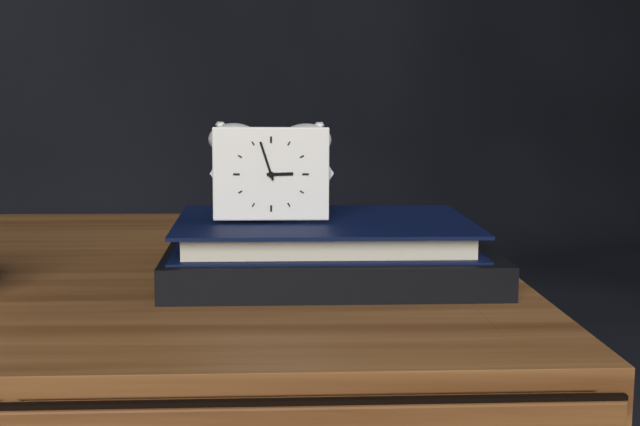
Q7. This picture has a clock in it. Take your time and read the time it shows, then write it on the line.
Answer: 2:57
